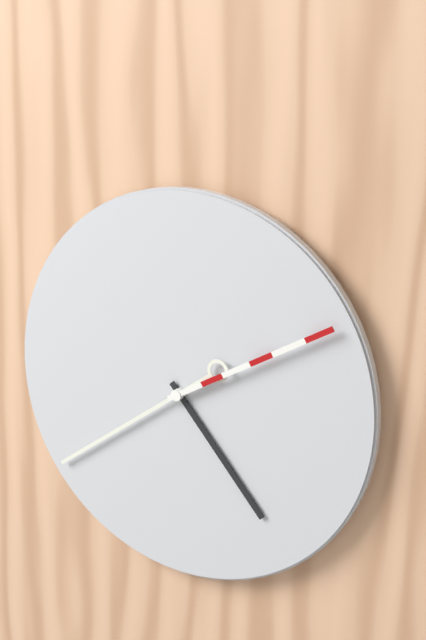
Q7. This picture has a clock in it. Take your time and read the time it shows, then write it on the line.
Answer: 4:39:10
